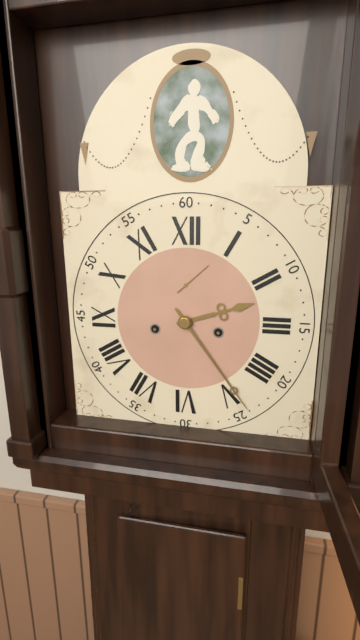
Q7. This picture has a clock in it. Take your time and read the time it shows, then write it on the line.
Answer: 2:24
